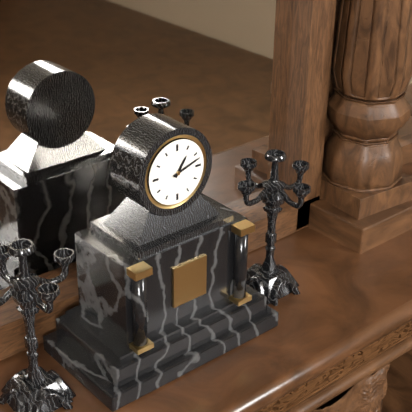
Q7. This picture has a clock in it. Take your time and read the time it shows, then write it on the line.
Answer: 1:12
